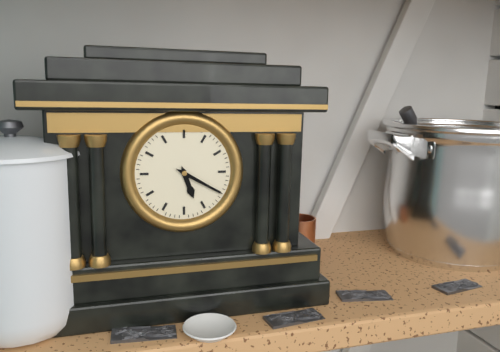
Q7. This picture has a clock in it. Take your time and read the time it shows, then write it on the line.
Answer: 5:20
